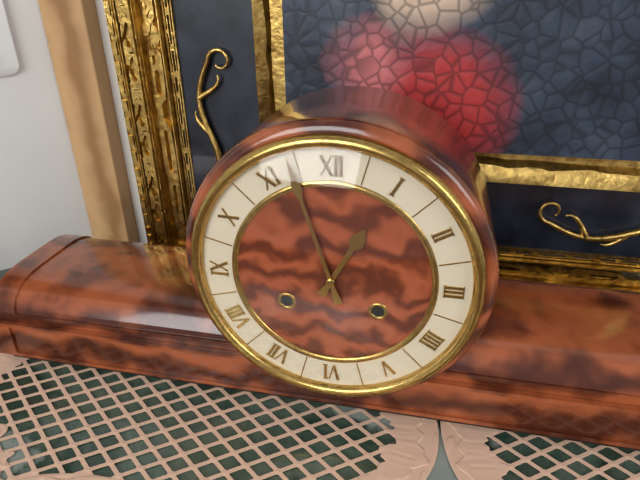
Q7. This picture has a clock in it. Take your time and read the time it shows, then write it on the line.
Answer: 12:57
